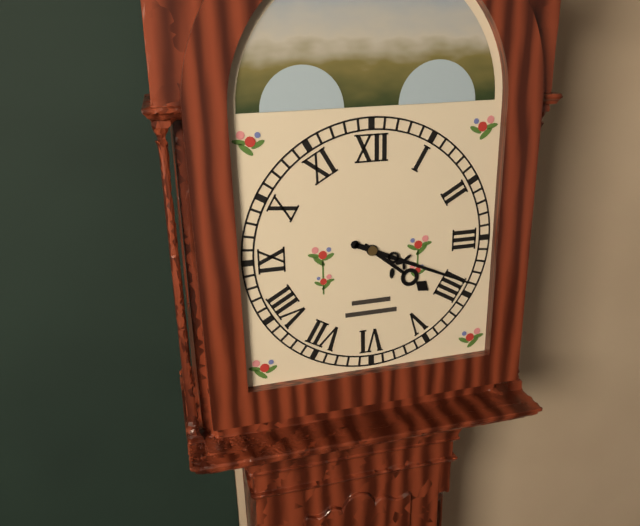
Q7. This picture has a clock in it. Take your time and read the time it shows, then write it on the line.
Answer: 4:19
